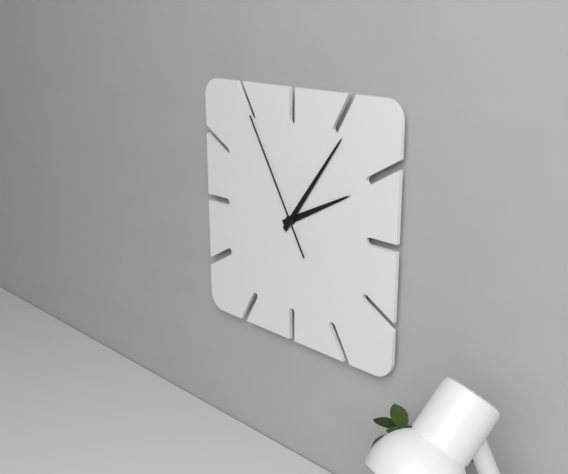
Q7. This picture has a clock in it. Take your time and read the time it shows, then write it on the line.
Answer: 2:06:55
